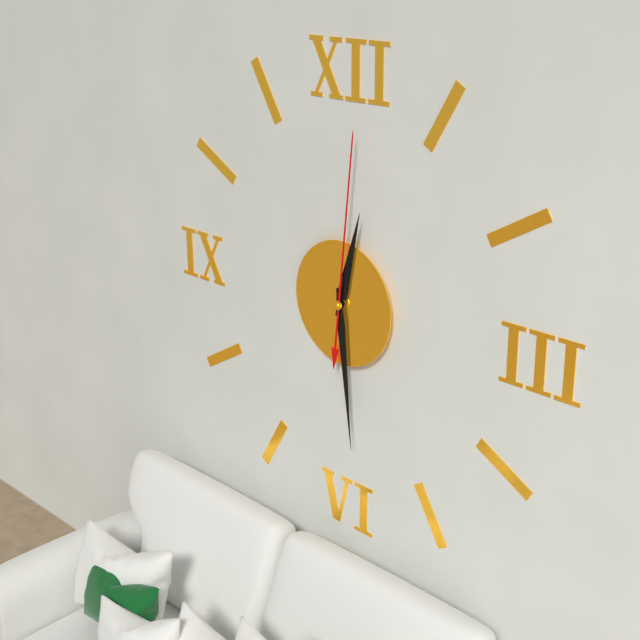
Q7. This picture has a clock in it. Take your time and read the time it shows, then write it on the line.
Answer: 12:29:01
